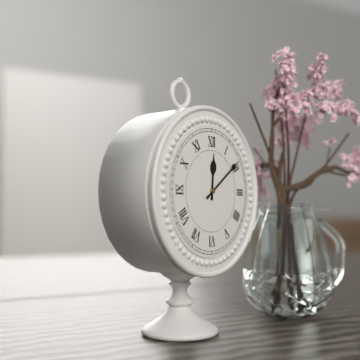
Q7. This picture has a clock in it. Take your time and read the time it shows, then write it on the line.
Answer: 12:09
